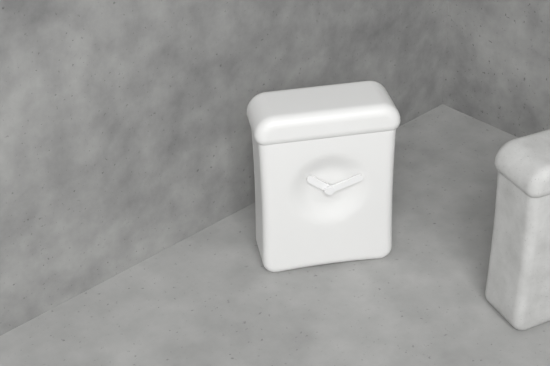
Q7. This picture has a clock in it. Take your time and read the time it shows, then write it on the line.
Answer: 10:12
